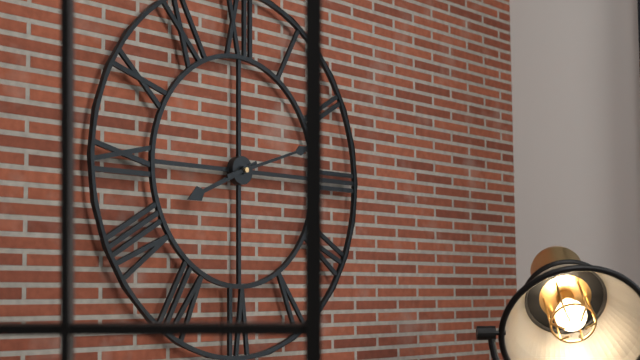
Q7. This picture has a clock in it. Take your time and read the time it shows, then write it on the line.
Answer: 8:12
